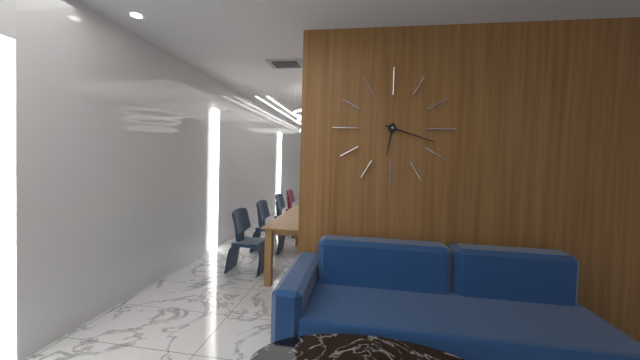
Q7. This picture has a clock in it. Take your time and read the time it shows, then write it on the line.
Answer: 6:18
